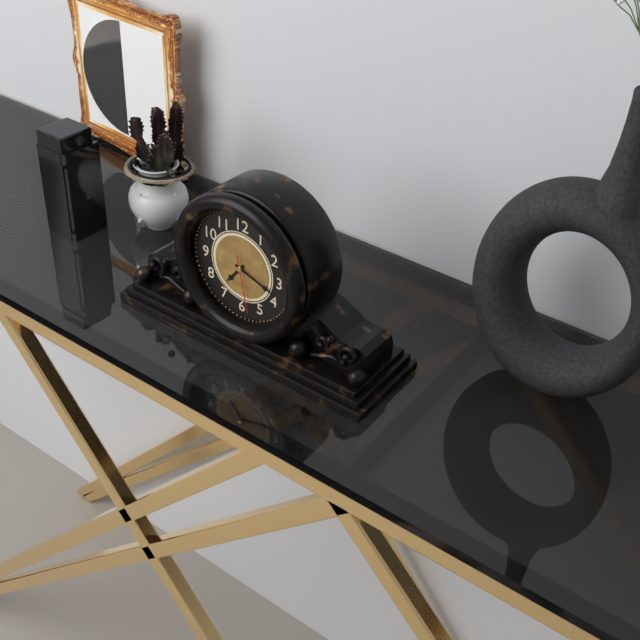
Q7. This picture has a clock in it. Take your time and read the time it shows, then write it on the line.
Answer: 7:18:28
